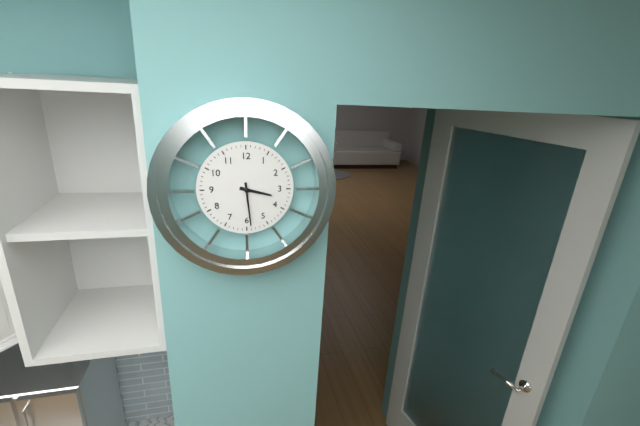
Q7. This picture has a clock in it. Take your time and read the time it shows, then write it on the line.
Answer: 3:29
